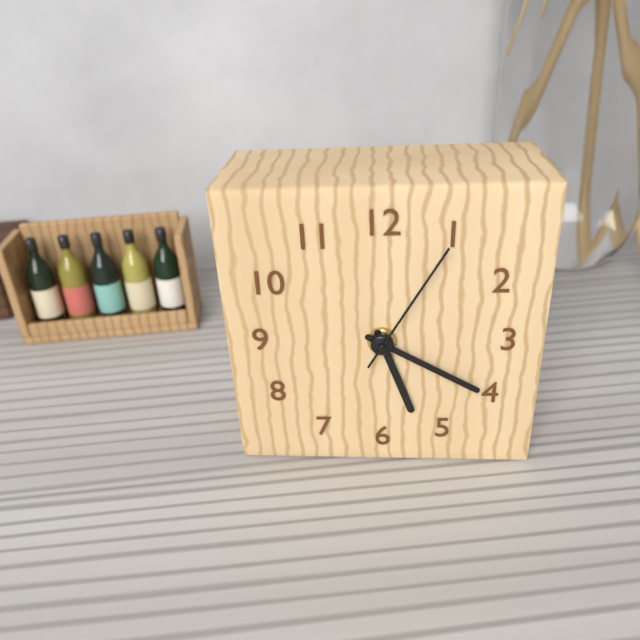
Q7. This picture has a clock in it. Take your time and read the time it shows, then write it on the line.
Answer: 5:20:05
